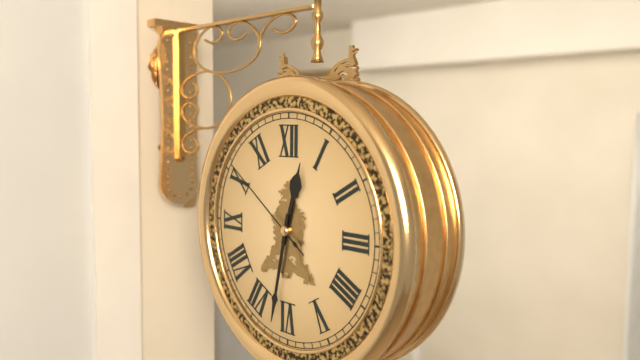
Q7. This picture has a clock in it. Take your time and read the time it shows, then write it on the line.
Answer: 12:32:51
